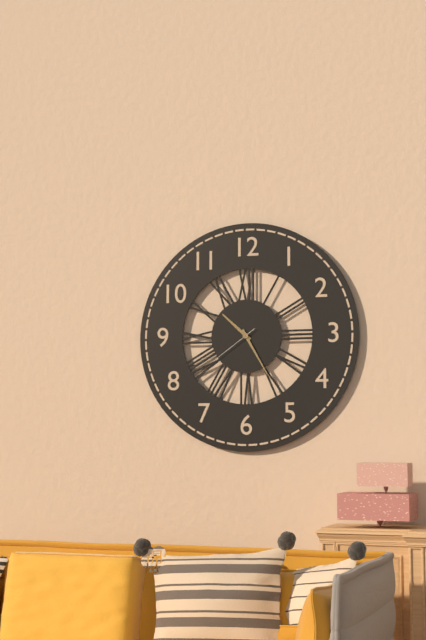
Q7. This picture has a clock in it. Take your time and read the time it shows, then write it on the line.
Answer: 10:25:39
